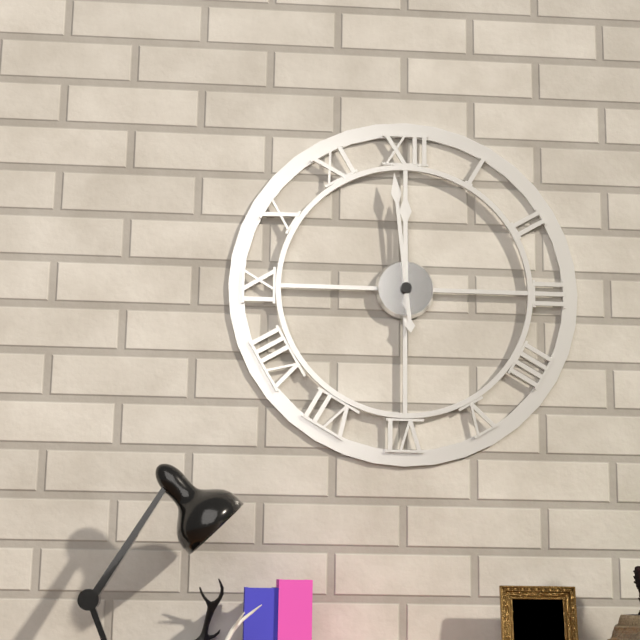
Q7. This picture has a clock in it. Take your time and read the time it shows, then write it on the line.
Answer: 11:59
